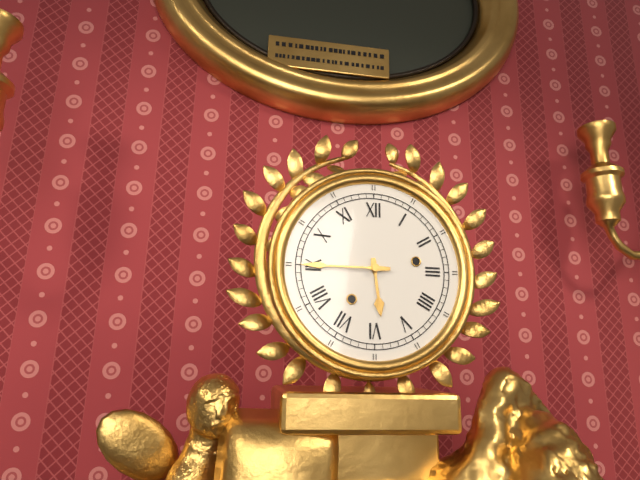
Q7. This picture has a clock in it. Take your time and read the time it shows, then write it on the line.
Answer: 5:45
